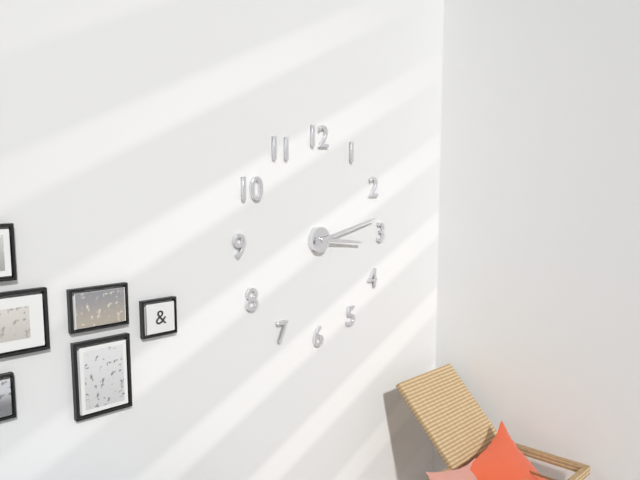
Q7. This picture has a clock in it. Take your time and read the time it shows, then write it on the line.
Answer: 3:13
